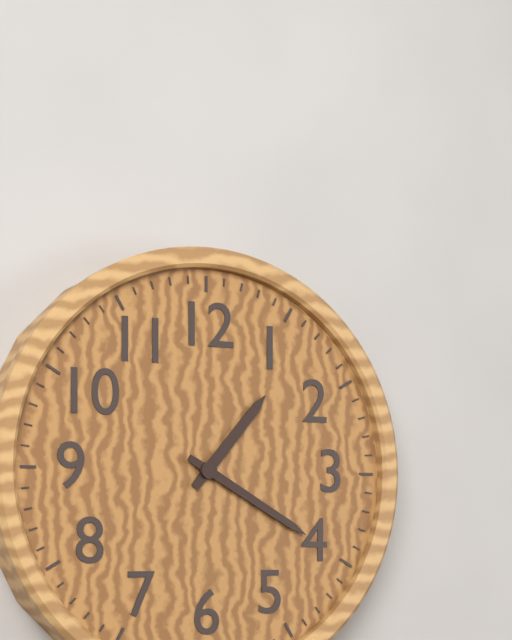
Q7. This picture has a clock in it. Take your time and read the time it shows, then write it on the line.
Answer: 1:20
